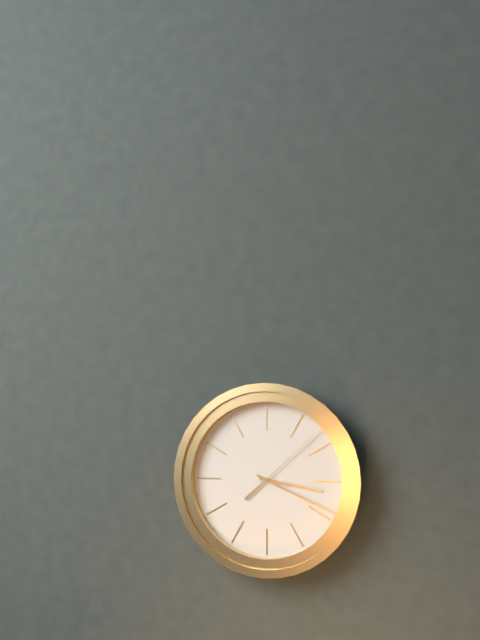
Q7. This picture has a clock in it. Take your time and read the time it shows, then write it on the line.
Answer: 3:19:08
